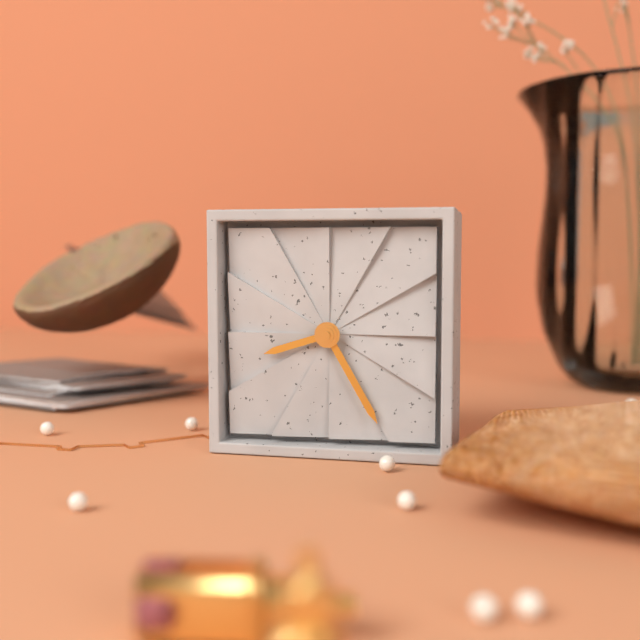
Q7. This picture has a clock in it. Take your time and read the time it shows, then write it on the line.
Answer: 8:25
